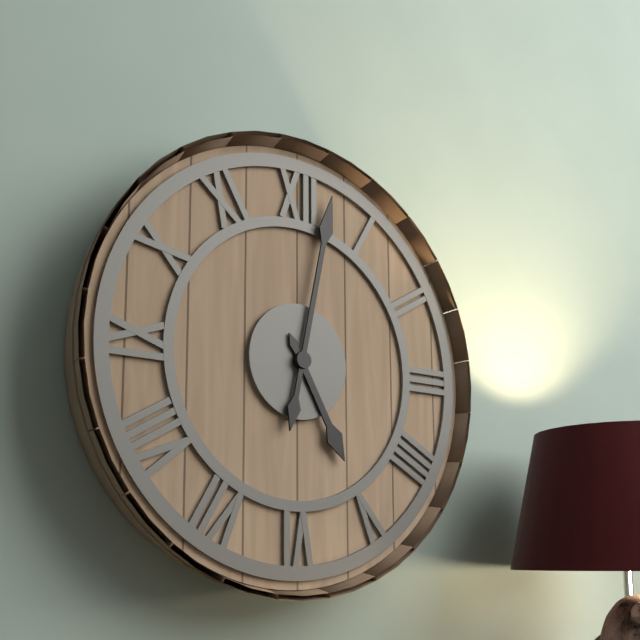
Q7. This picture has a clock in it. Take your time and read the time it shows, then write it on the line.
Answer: 5:02
